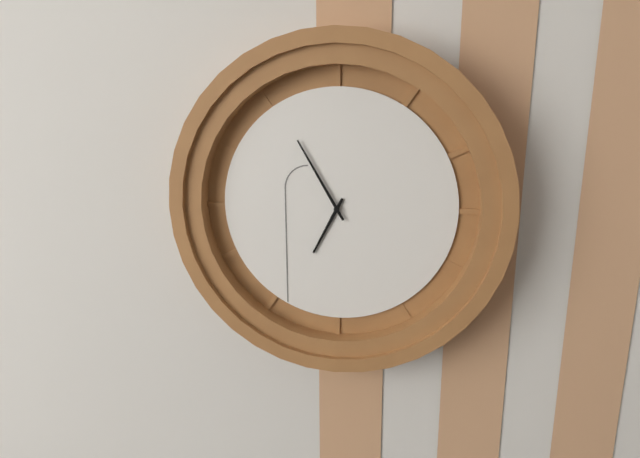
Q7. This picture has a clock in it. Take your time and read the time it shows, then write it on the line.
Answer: 6:55
